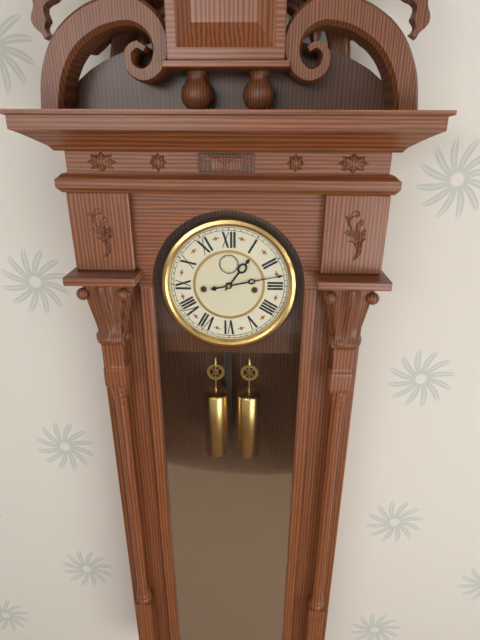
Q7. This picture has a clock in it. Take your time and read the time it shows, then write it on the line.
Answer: 1:13
